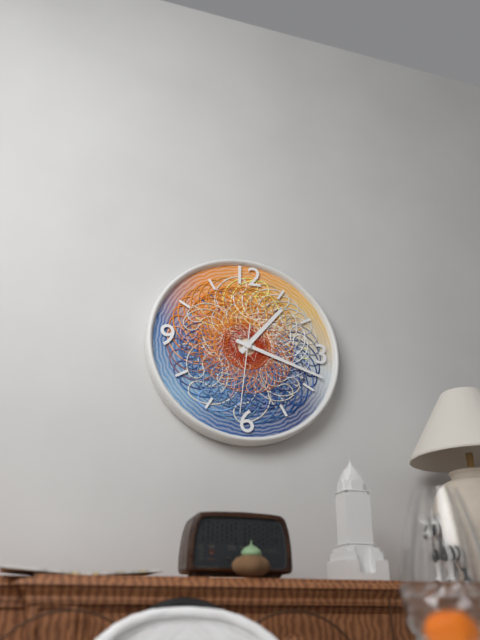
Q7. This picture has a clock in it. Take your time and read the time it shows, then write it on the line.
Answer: 1:18:31
